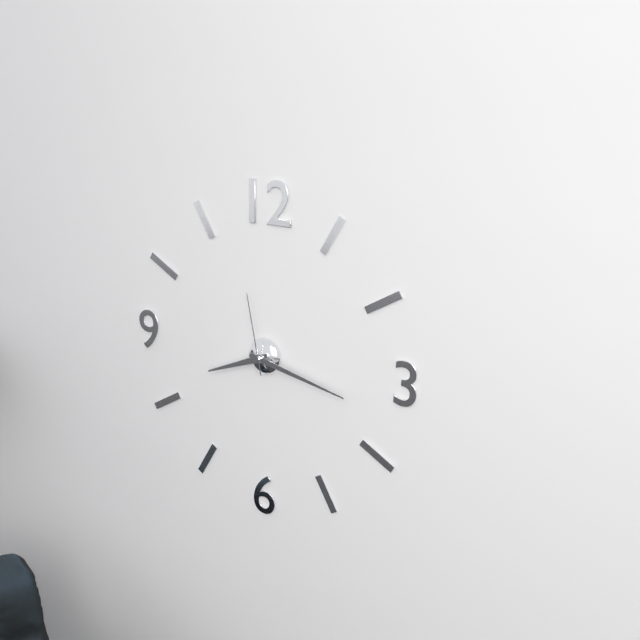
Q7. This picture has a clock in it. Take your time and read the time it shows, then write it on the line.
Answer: 8:17:58
